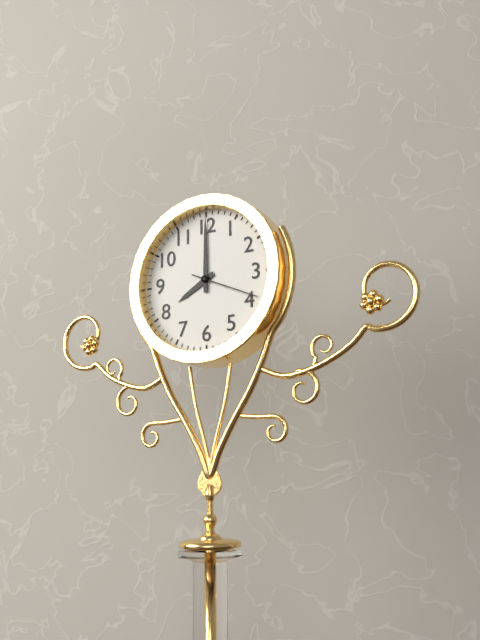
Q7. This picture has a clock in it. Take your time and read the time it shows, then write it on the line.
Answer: 8:00:19
